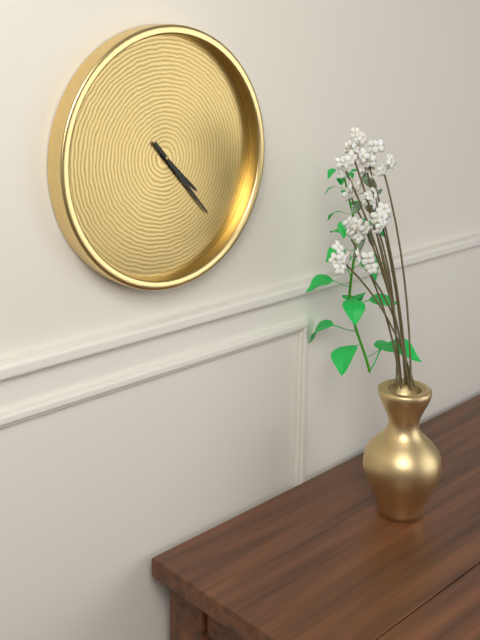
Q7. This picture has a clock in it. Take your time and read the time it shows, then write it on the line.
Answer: 4:23
